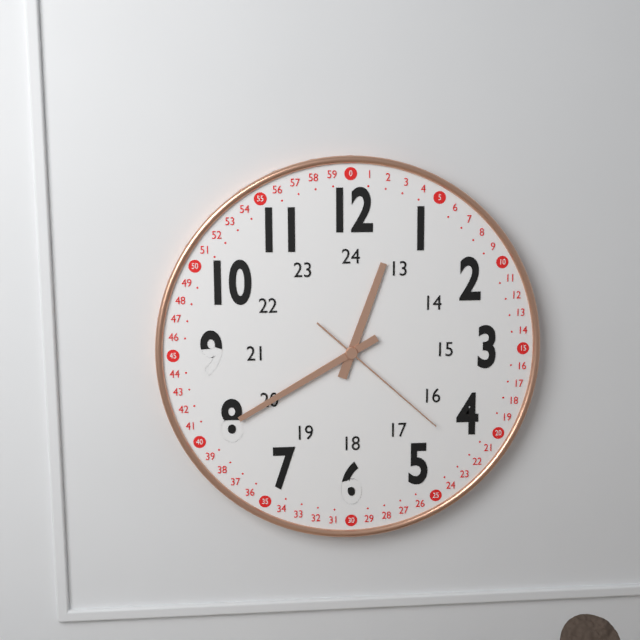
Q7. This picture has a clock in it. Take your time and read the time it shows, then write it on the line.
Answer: 12:40:22
